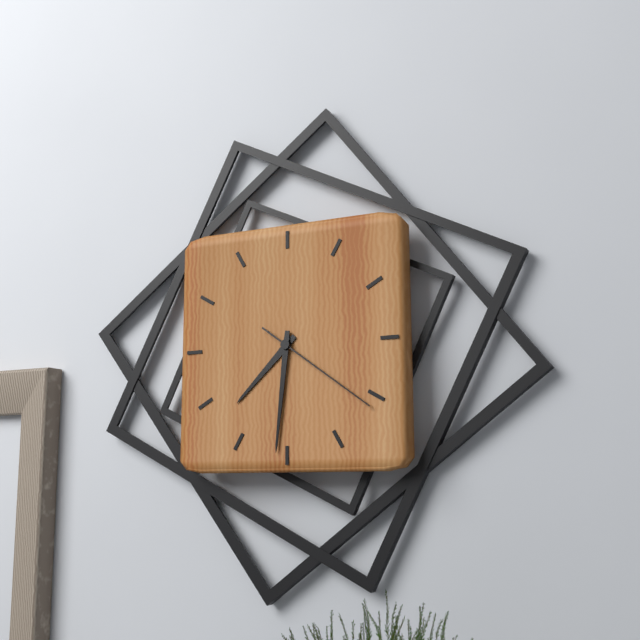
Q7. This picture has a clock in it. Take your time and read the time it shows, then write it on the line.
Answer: 7:31:21
